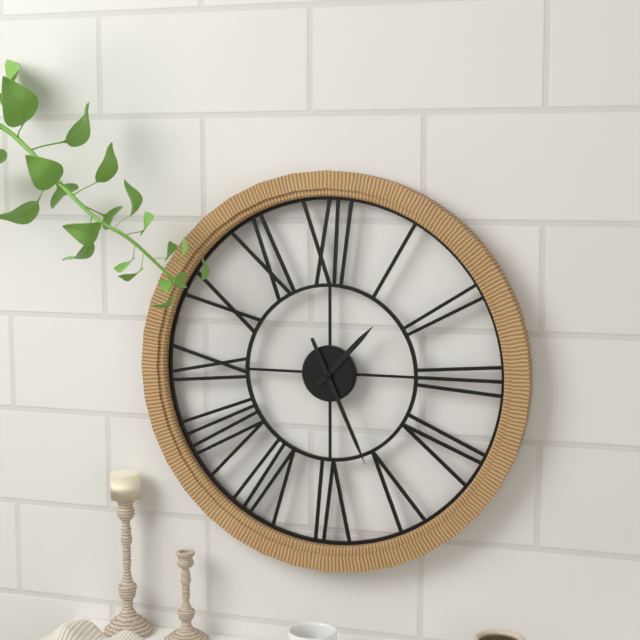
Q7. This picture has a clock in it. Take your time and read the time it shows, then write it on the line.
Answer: 1:26
